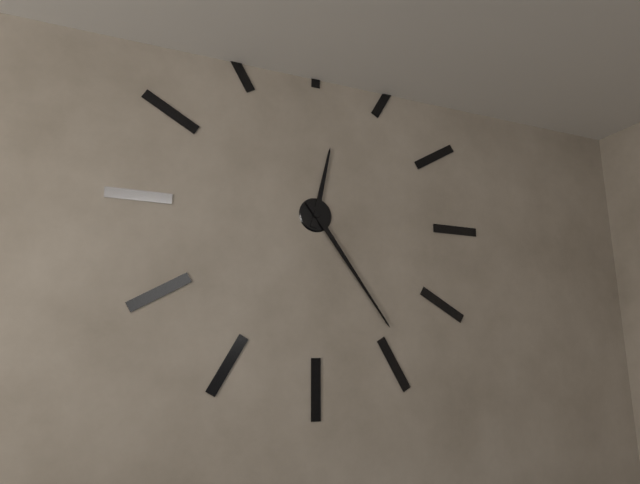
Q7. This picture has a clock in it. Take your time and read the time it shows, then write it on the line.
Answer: 12:24
